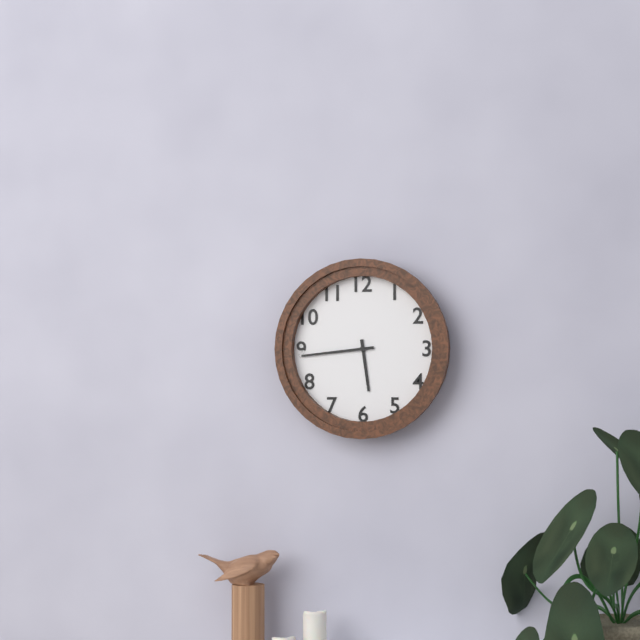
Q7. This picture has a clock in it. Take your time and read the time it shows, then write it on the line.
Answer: 5:44
